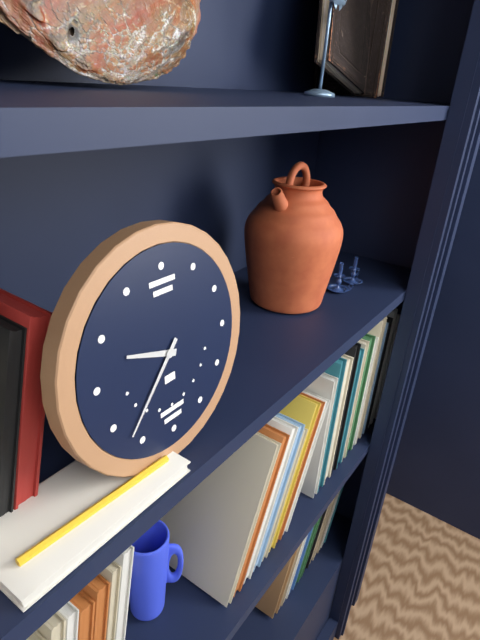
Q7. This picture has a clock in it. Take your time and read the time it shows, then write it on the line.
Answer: 9:37
